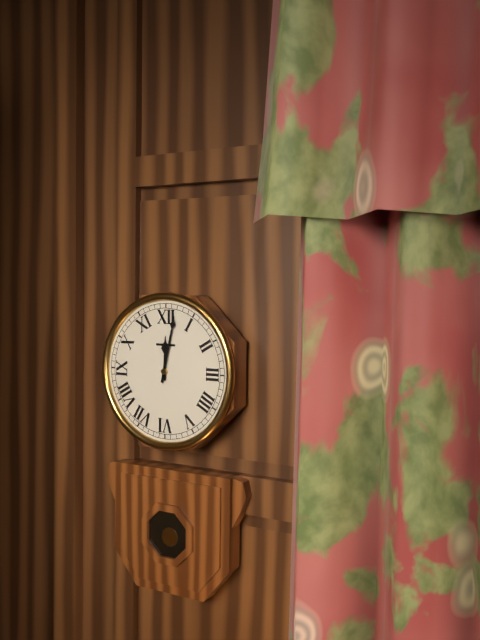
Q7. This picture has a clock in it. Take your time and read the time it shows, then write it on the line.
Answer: 12:02
